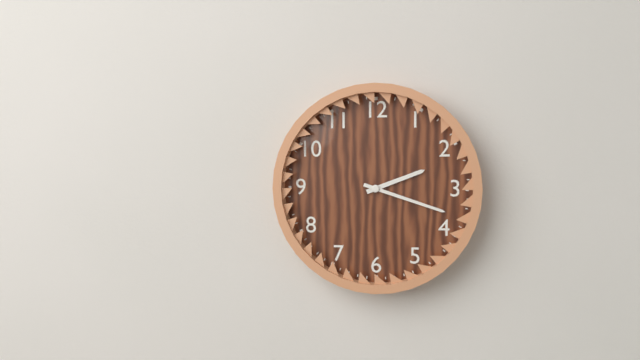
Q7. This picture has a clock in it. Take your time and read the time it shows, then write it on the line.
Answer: 2:18
